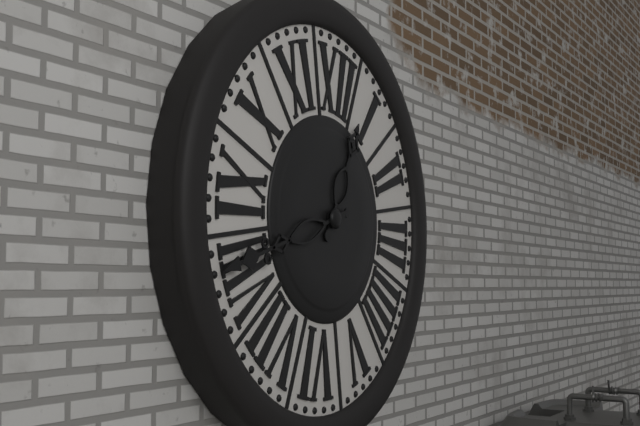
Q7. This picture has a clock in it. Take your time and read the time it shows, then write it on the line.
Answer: 12:41
